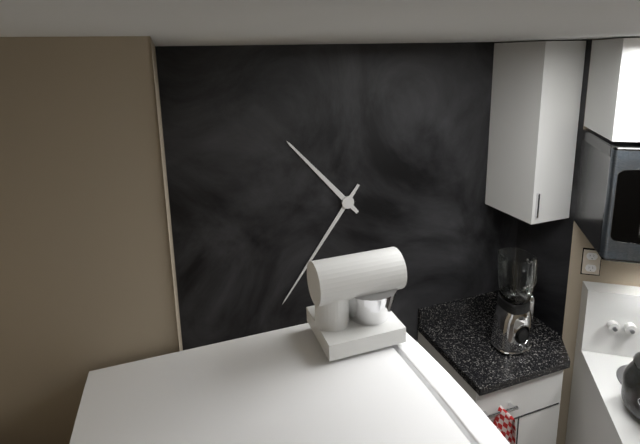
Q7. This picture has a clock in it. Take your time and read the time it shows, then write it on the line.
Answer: 10:36
